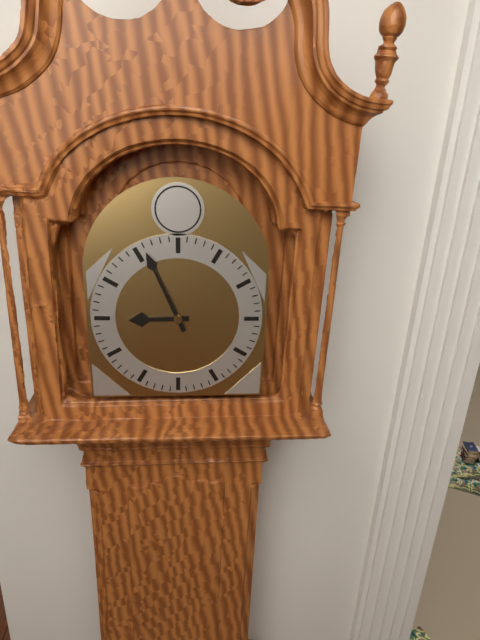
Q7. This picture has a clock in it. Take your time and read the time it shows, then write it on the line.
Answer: 8:56
